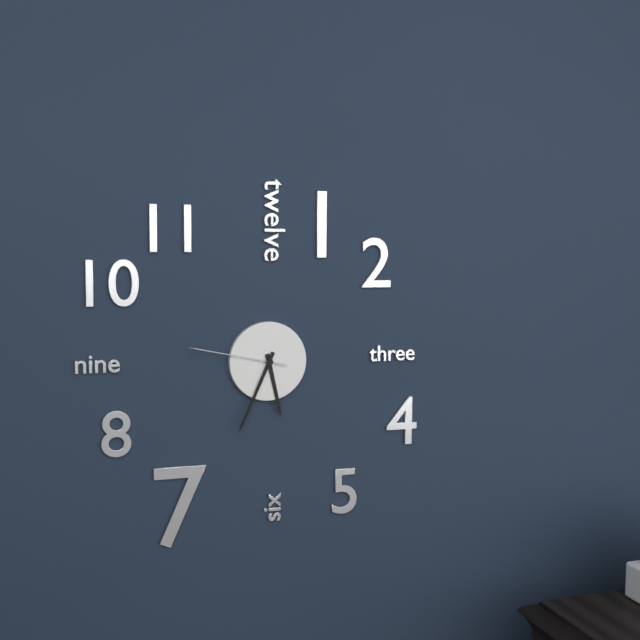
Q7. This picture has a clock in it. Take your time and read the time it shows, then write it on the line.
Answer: 5:34:47
